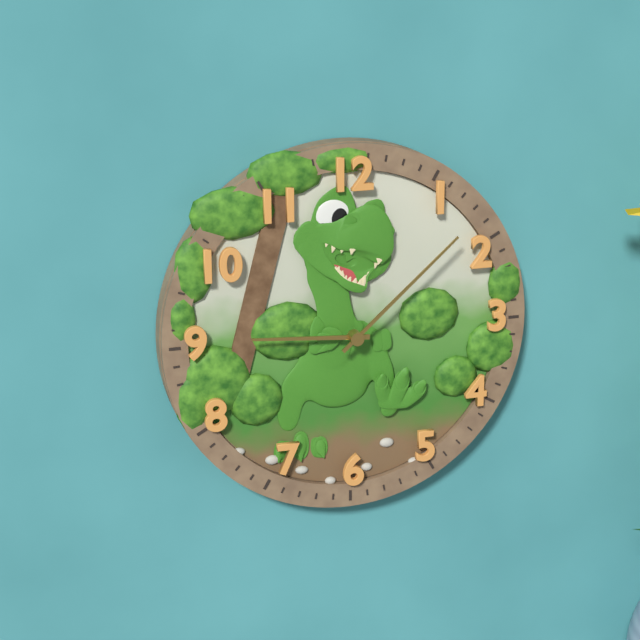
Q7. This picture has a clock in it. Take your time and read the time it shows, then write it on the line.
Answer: 9:08
